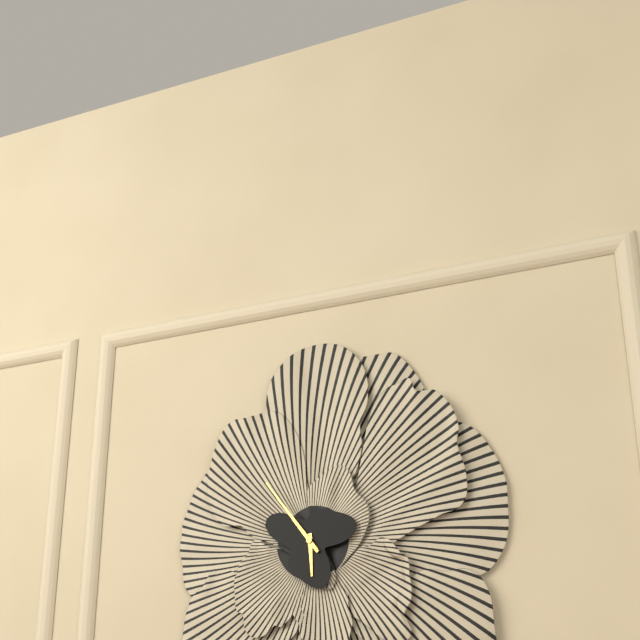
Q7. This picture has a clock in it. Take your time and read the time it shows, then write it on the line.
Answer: 5:54
